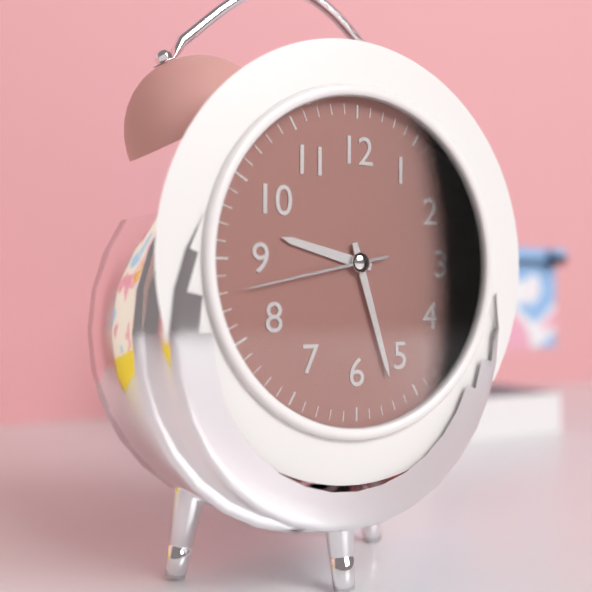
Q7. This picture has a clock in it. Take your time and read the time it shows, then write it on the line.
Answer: 9:27:43
